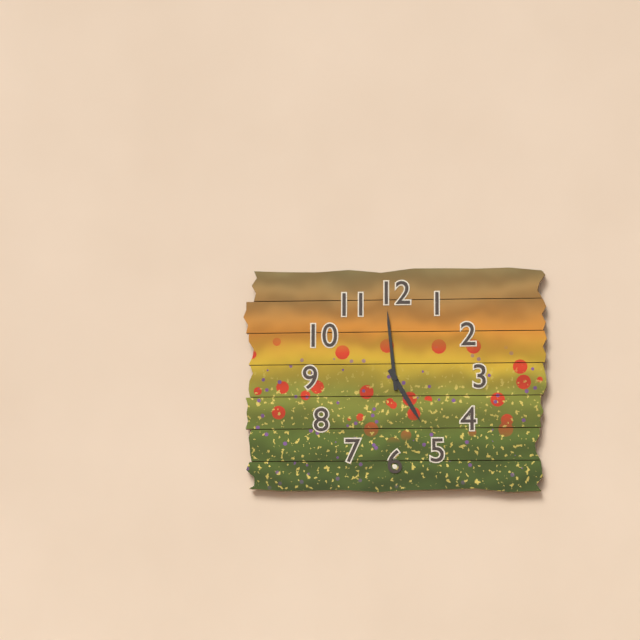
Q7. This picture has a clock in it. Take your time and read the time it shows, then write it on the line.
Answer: 4:59
